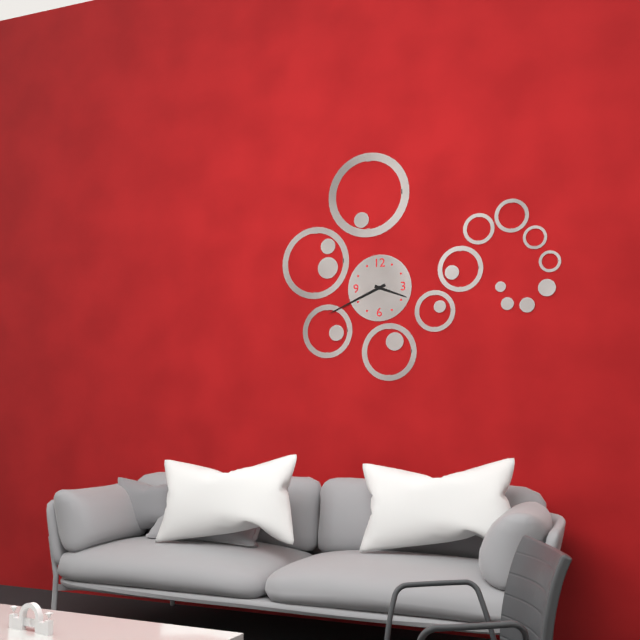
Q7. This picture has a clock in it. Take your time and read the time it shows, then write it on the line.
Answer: 3:41
